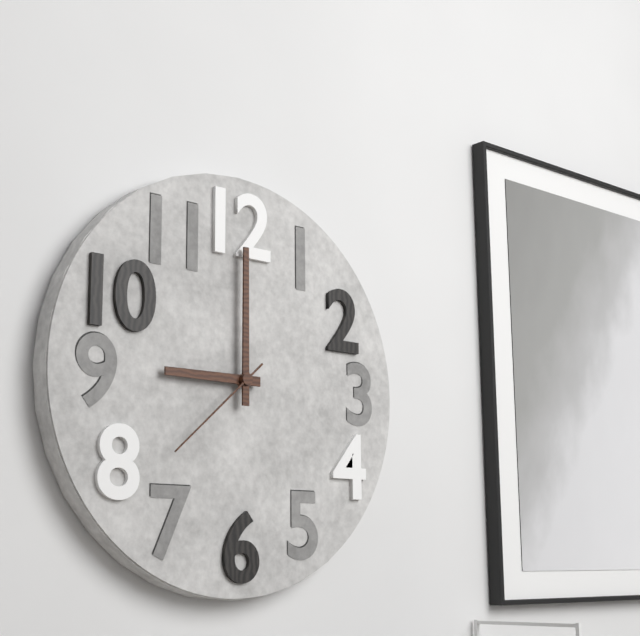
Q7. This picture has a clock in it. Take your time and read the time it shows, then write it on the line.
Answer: 9:00:38
